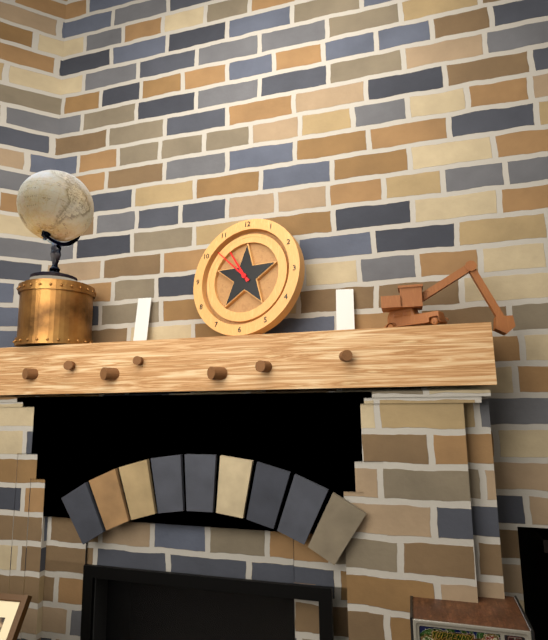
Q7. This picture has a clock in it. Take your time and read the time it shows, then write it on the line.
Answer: 10:52
